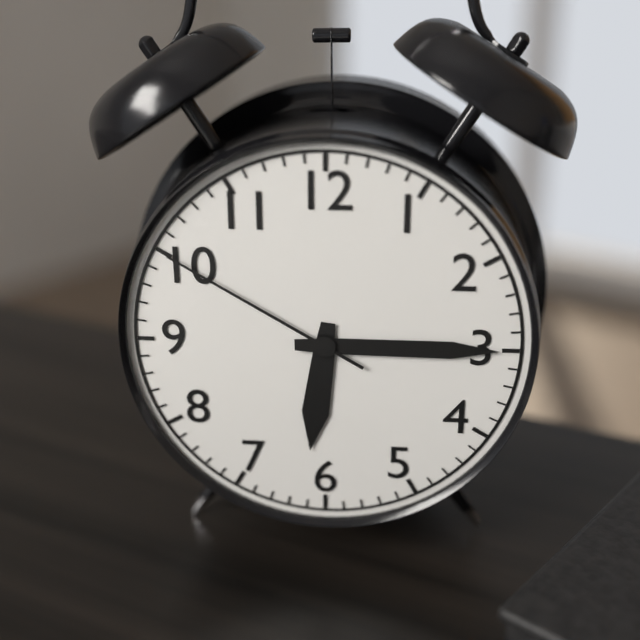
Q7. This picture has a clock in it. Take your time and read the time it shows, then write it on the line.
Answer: 6:15:50
